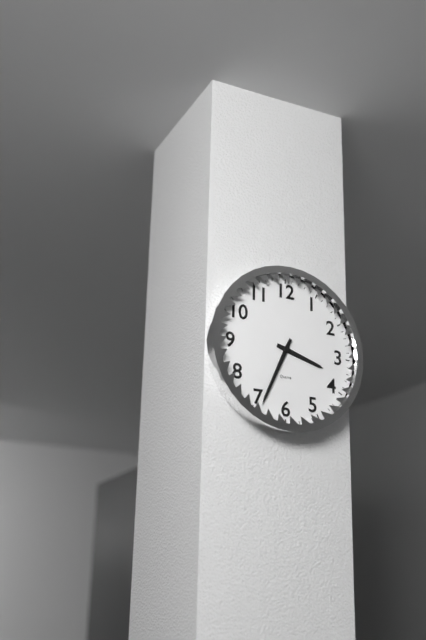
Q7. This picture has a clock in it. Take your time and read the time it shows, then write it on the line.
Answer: 3:34
